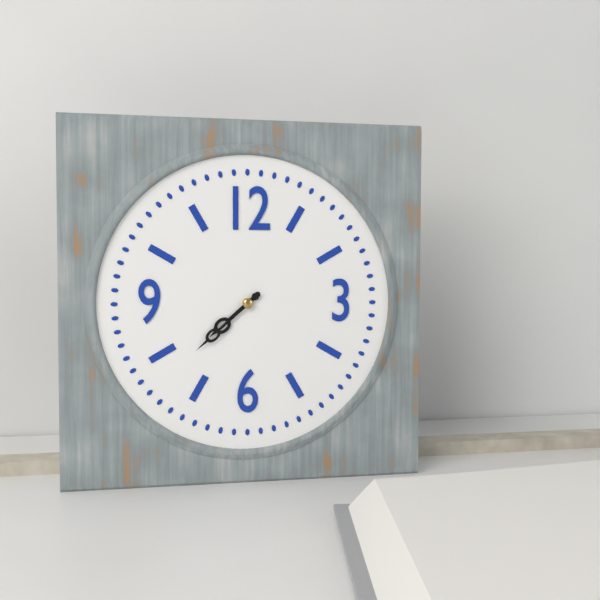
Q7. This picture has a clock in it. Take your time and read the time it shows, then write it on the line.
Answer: 7:38
